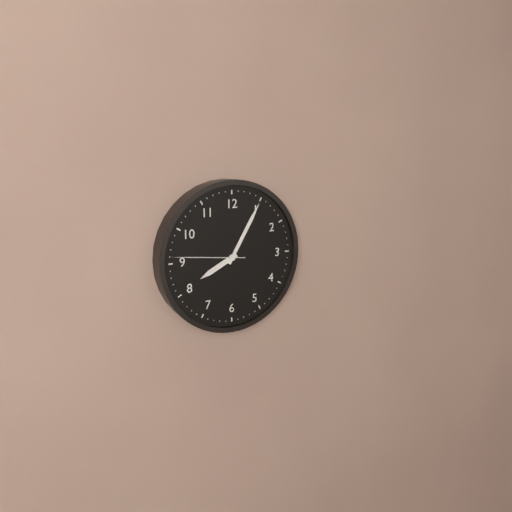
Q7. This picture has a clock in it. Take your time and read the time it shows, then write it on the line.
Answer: 8:05:46
